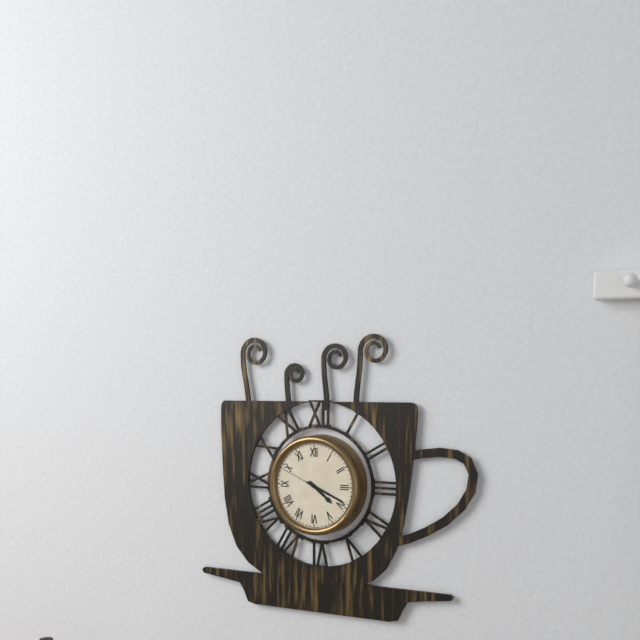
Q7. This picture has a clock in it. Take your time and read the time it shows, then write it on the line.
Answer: 4:19
